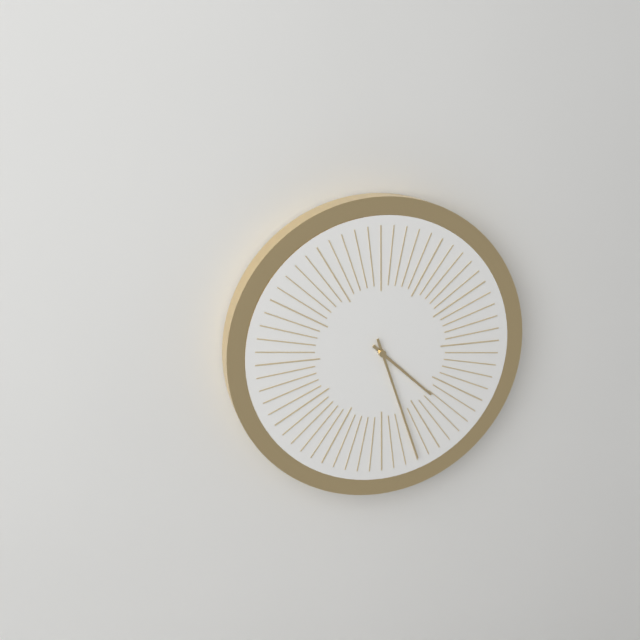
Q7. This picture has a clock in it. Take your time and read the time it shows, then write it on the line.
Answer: 4:27
